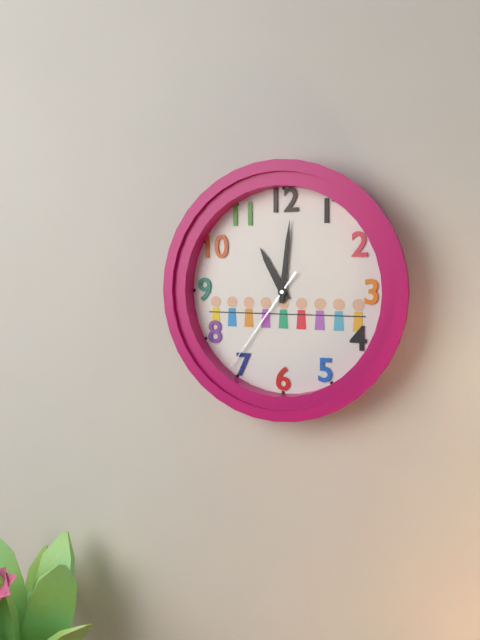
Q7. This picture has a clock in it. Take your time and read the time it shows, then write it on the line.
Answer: 11:01:36
